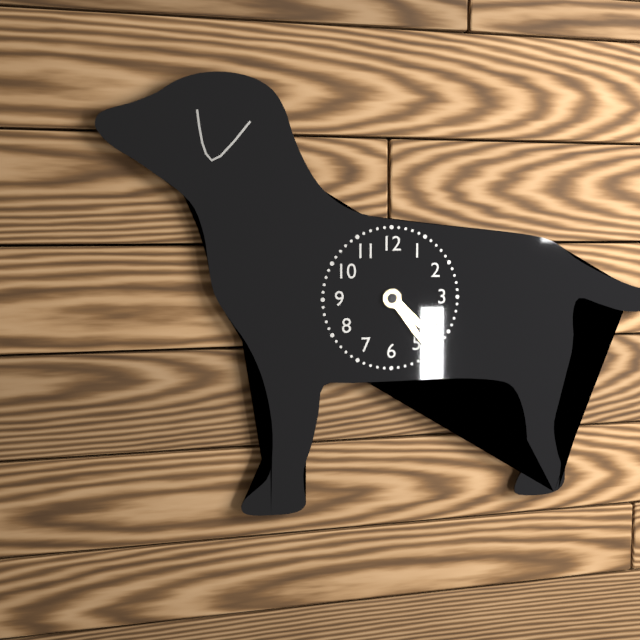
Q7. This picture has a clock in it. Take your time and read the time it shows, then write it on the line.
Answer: 4:24
